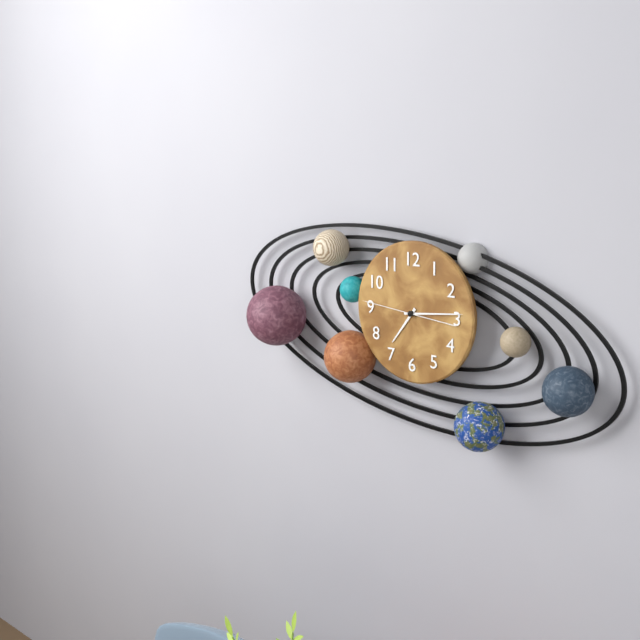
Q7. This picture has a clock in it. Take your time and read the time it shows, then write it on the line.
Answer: 7:14:46
